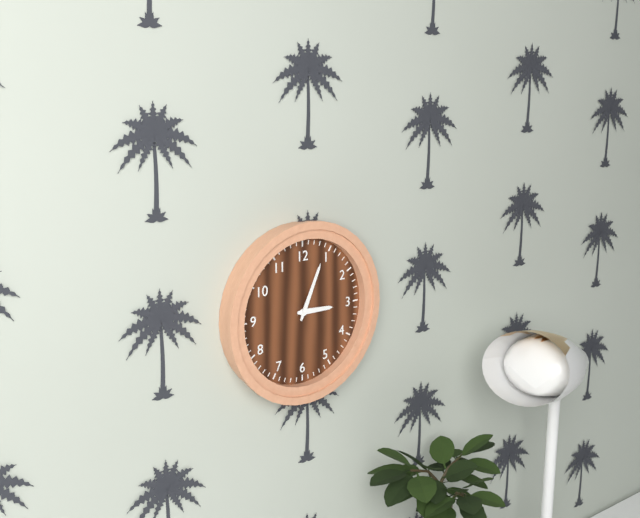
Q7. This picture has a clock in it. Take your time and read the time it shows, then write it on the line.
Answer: 3:04
